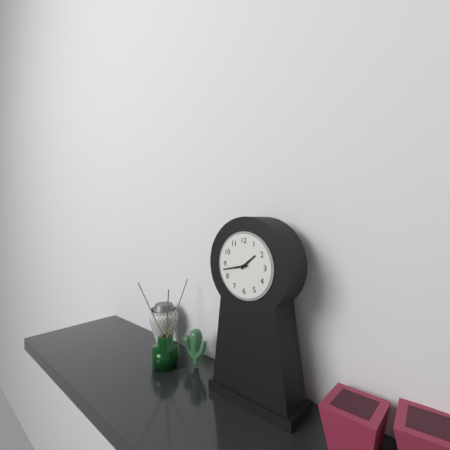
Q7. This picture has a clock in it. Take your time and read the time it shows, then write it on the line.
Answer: 1:43
